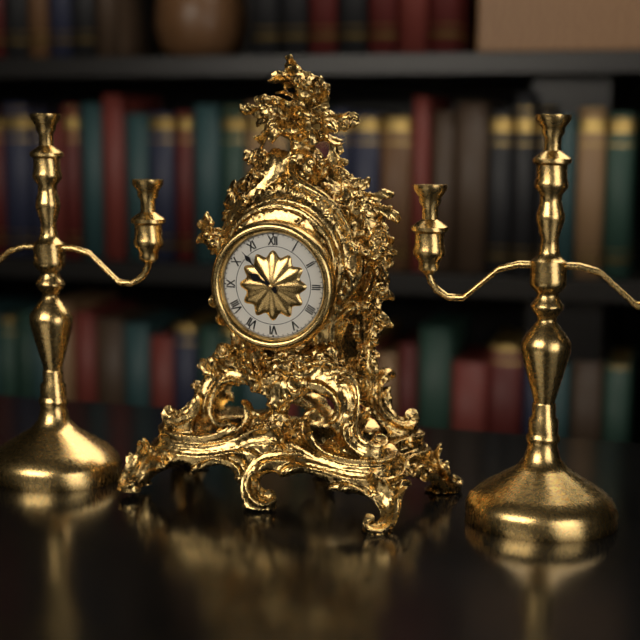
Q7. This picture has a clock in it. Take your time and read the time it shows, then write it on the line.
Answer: 9:53
